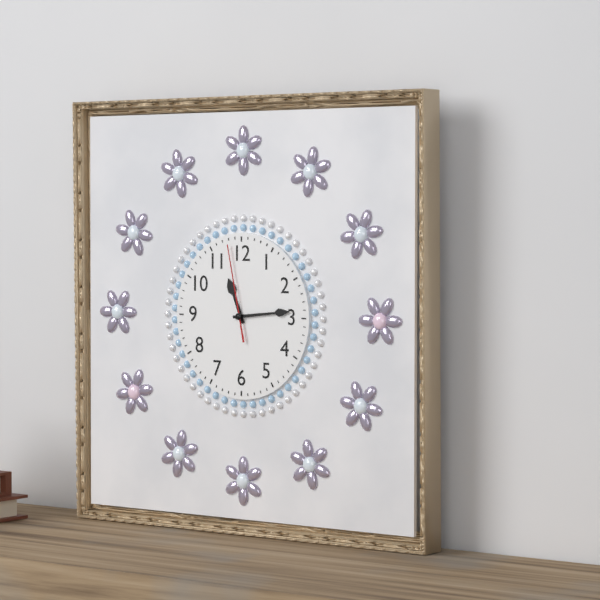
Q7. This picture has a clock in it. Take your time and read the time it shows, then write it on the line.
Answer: 11:14:58
